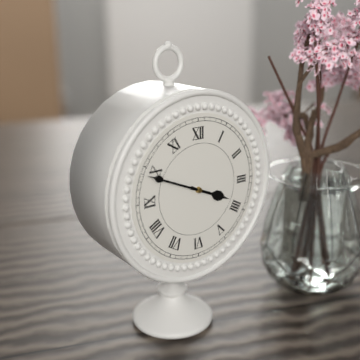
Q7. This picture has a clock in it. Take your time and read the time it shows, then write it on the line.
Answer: 3:49
